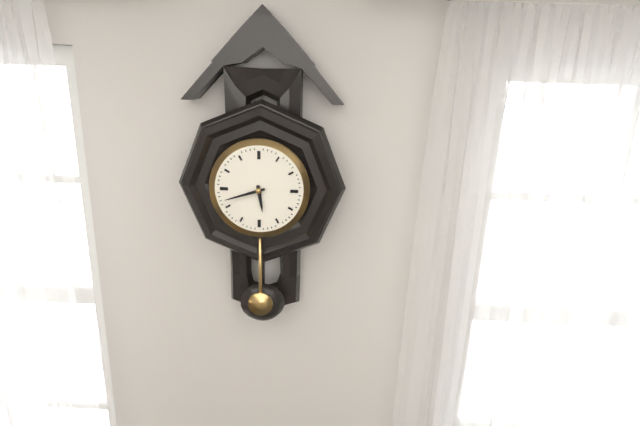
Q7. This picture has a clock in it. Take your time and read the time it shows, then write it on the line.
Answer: 5:42
